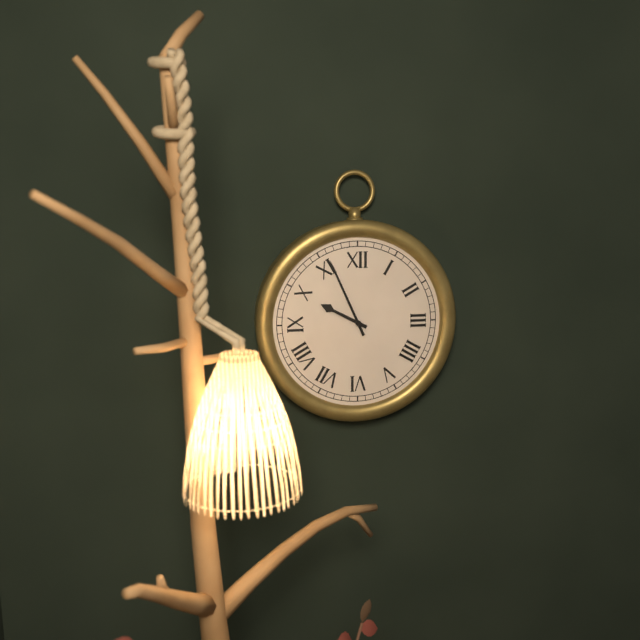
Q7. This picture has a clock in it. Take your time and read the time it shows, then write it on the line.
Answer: 9:56
